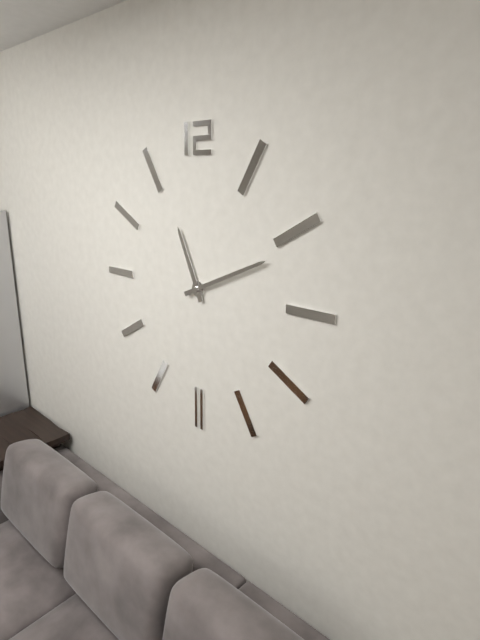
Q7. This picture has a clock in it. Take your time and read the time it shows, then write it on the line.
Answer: 11:11
